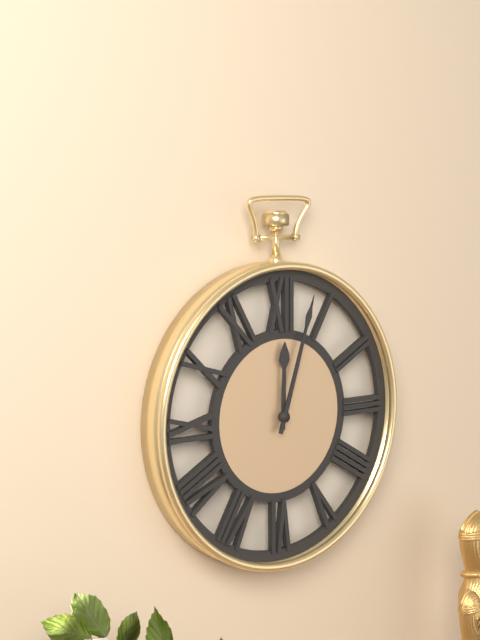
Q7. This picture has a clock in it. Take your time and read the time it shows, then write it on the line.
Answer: 12:03
